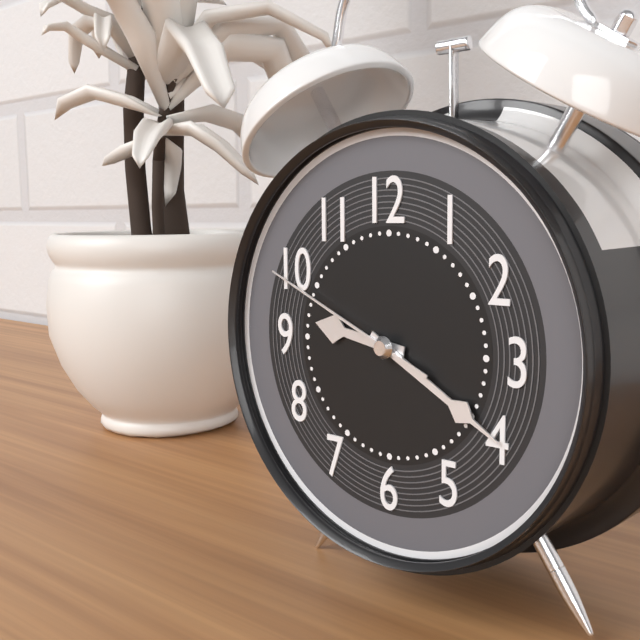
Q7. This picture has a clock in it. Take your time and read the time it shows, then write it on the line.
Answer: 9:20:49
